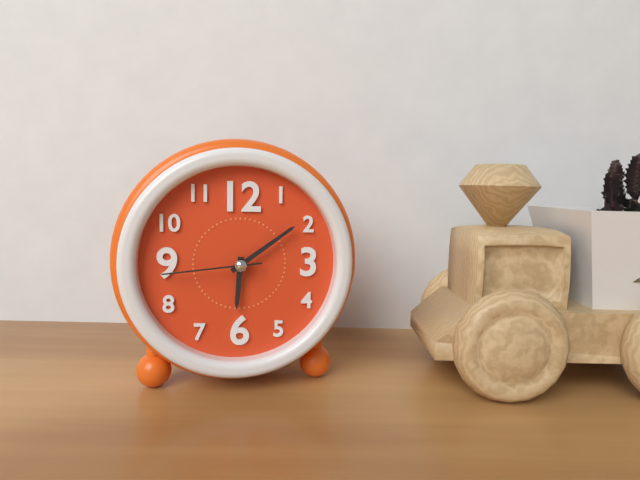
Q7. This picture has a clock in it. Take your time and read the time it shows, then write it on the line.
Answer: 6:09:44
